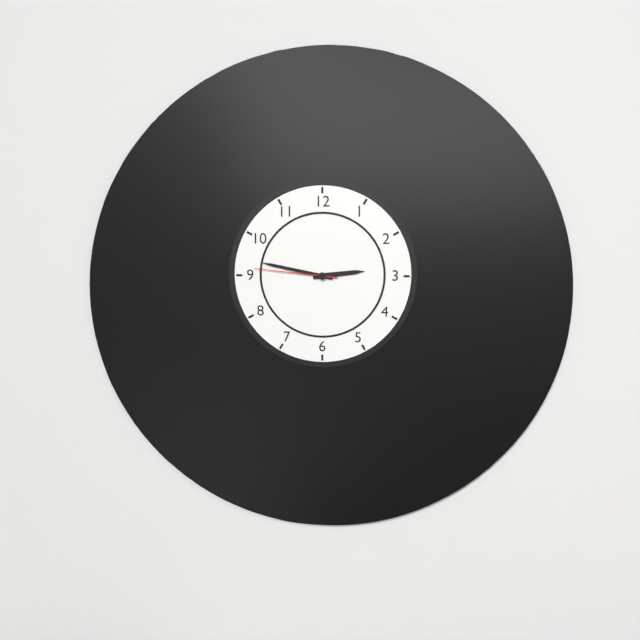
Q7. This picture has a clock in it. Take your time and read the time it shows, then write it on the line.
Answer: 2:47:46
